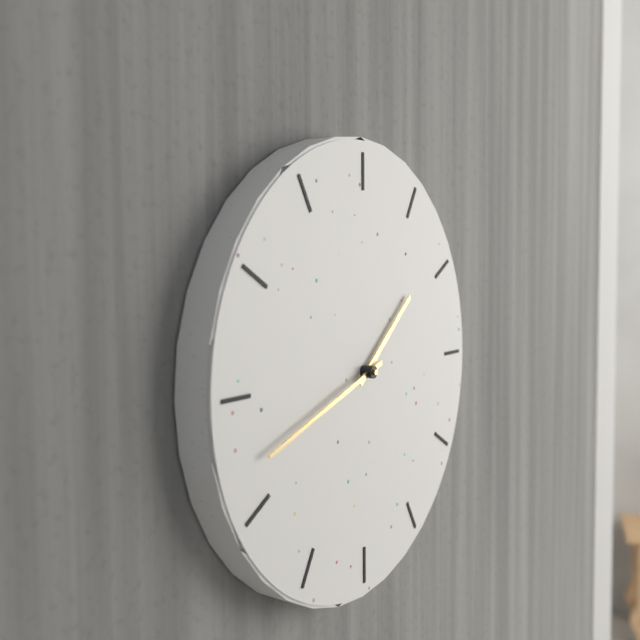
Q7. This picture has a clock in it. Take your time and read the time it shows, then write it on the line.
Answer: 1:42
